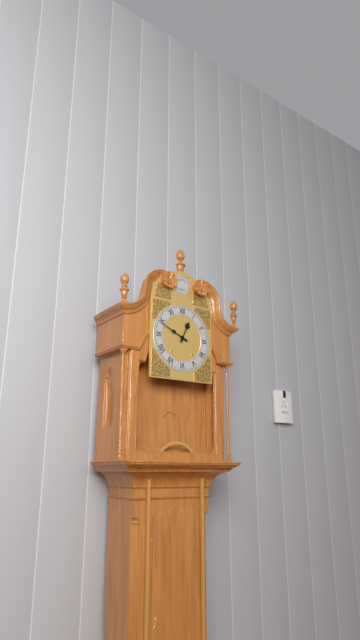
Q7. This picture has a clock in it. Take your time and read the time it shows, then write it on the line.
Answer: 12:49
